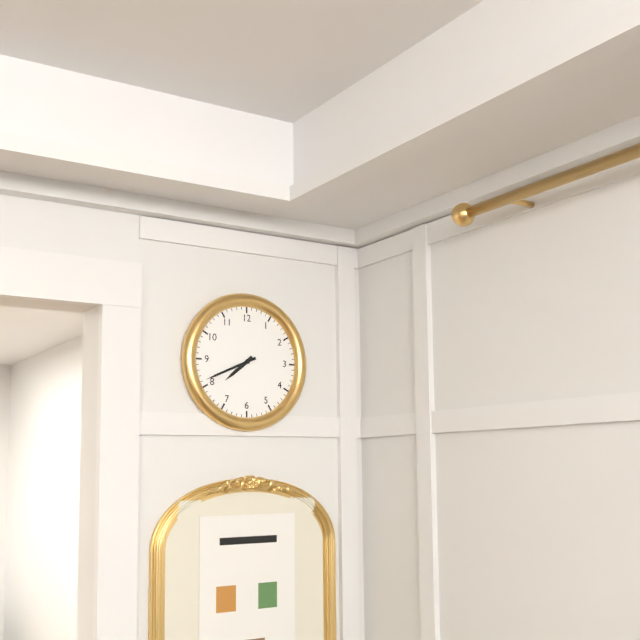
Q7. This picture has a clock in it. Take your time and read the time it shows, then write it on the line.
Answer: 7:41
